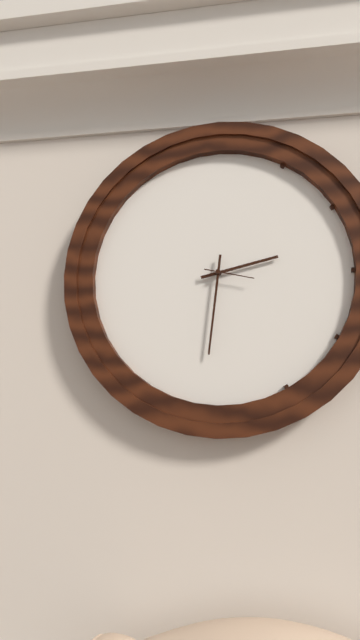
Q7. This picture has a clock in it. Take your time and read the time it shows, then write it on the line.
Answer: 2:31
